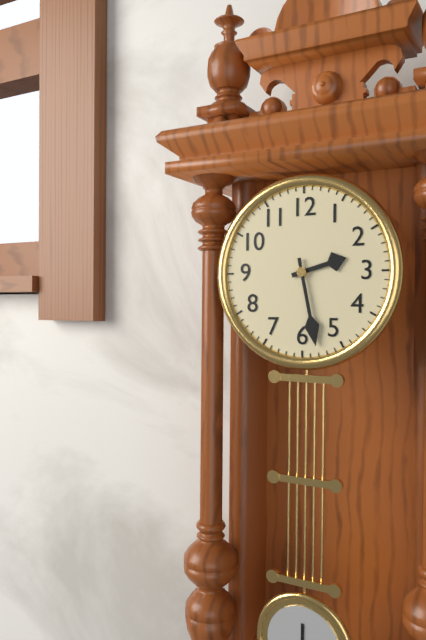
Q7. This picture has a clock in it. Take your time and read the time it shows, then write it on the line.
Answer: 2:28
